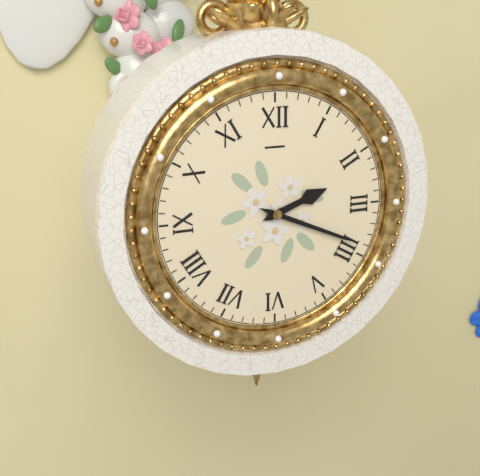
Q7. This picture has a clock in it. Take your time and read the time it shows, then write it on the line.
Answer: 2:19
